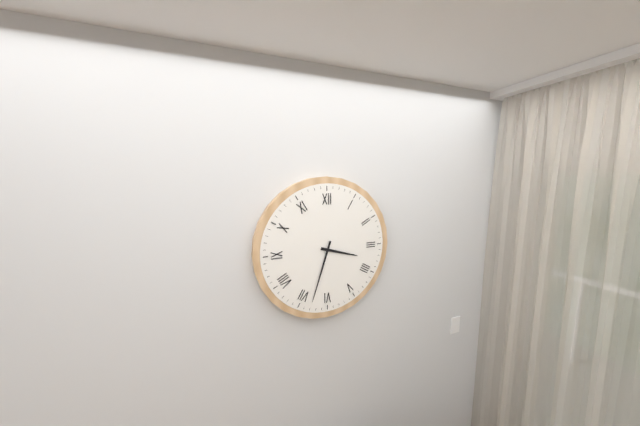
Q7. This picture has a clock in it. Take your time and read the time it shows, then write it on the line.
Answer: 3:33
